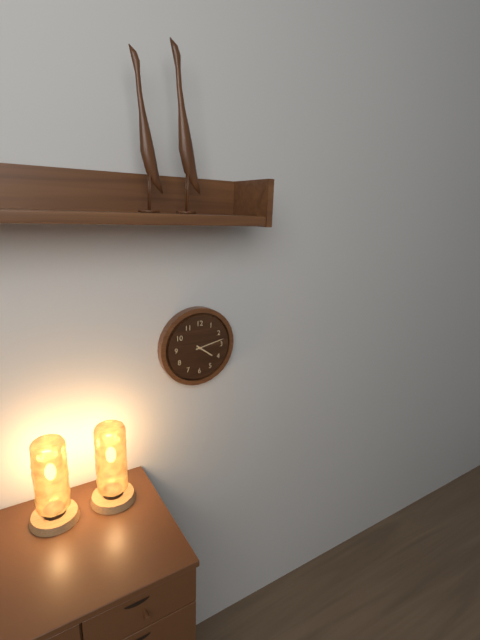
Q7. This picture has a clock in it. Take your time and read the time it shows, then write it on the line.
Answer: 4:13
